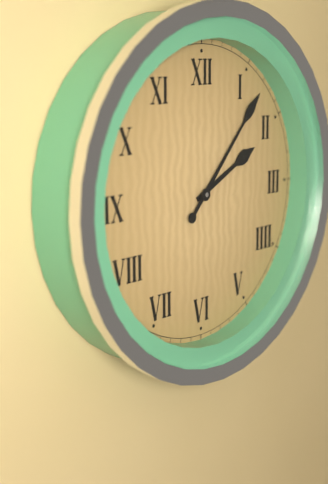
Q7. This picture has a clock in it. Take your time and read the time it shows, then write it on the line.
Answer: 2:07
